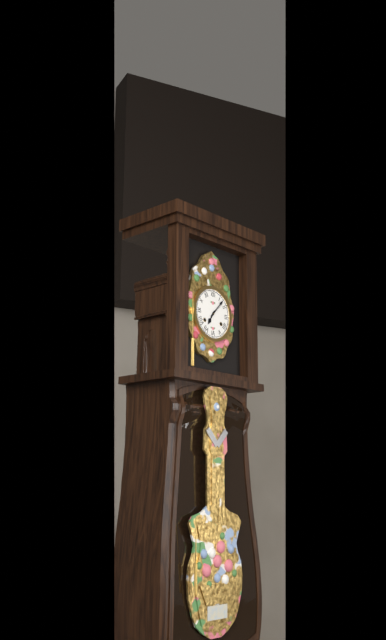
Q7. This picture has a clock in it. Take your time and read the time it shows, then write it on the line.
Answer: 7:07
